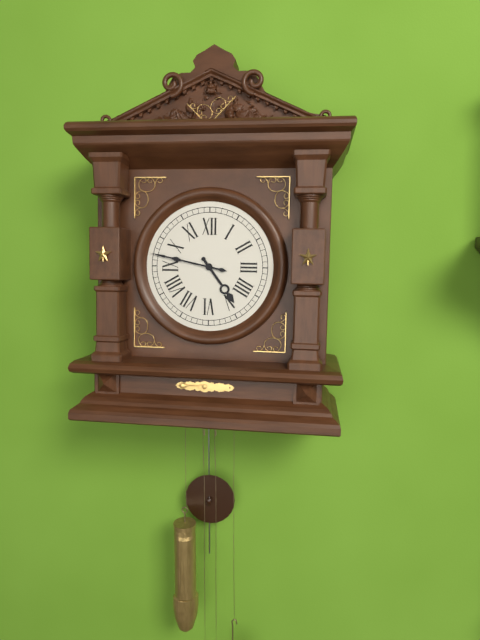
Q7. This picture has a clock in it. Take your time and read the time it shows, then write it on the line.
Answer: 4:47
